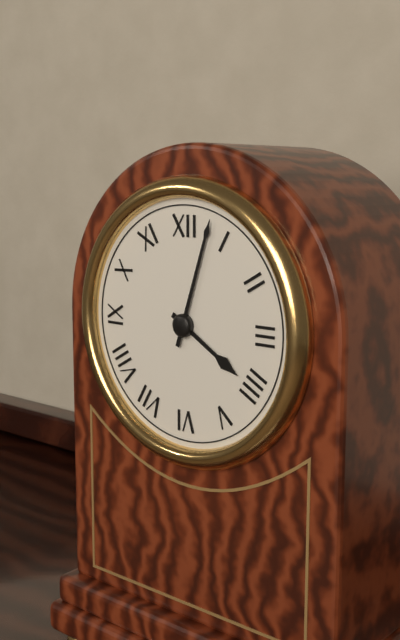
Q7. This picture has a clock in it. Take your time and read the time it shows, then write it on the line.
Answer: 4:03
